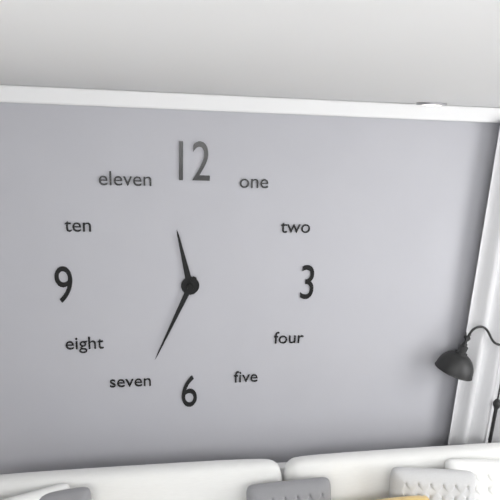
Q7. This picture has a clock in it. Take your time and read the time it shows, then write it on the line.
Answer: 11:34
